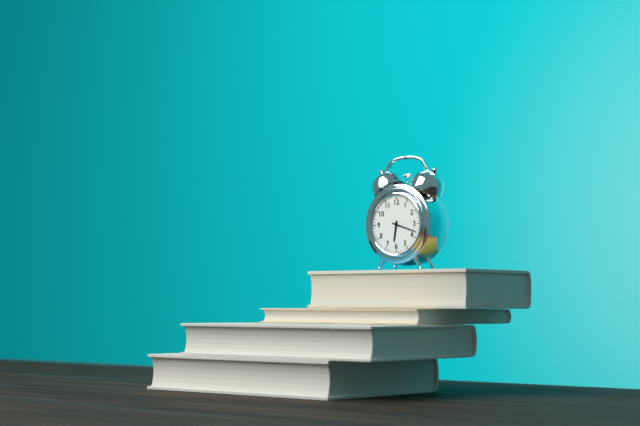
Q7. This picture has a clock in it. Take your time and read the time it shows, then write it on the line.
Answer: 6:18
